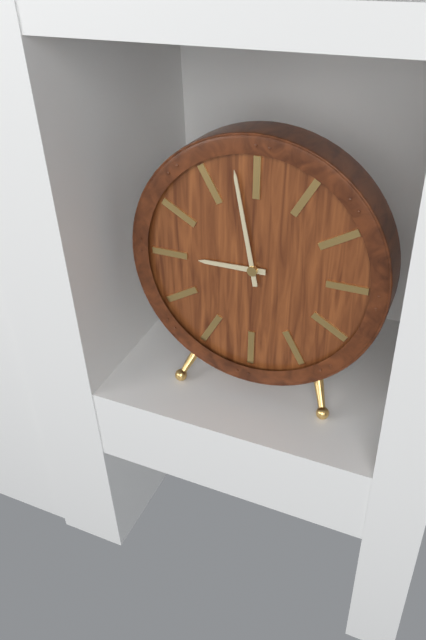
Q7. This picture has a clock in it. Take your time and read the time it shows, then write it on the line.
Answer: 8:58
